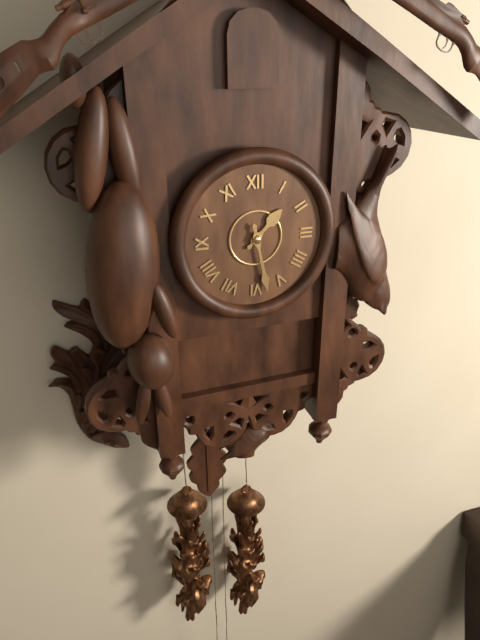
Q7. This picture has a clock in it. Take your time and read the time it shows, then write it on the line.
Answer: 1:28
